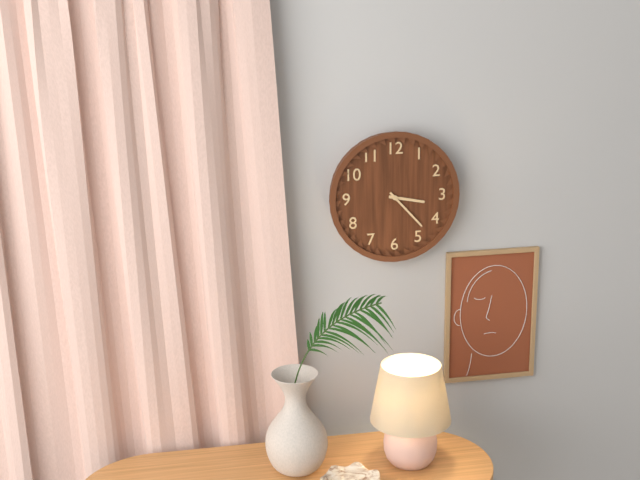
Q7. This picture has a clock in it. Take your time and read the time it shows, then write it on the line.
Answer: 3:23
